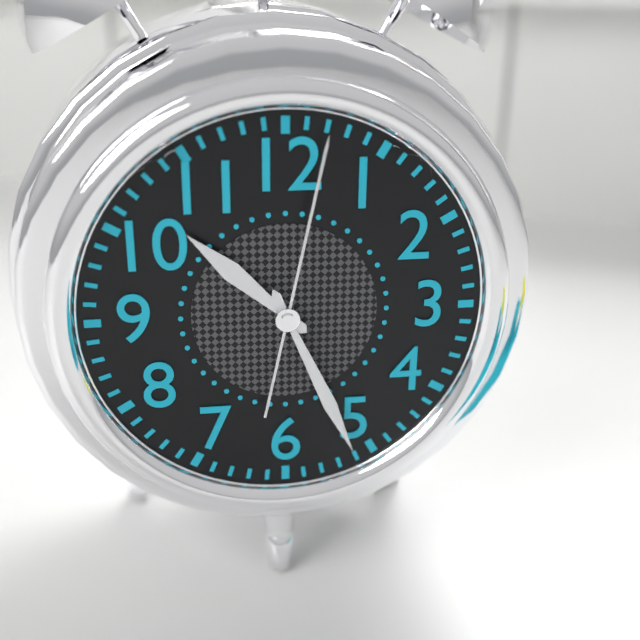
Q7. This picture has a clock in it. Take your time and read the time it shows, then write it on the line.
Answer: 10:26:02
